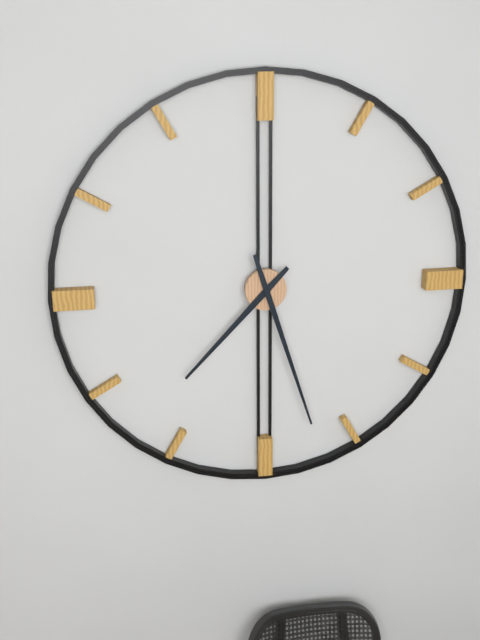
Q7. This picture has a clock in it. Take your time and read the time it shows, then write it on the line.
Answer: 7:27
